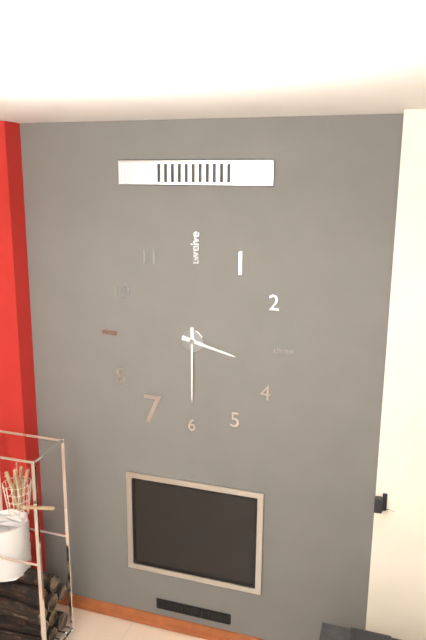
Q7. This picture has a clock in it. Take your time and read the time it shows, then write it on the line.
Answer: 3:30
